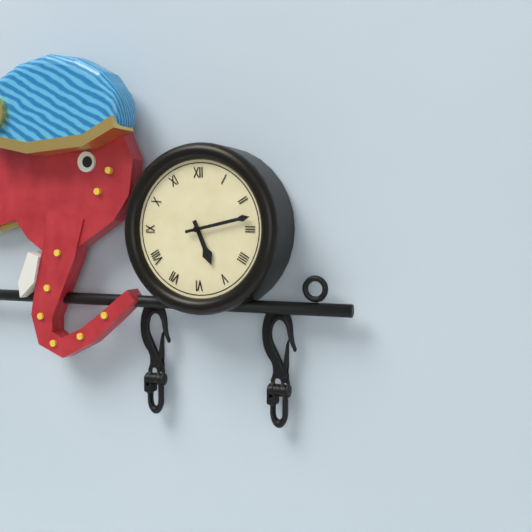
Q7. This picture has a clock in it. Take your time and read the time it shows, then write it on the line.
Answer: 5:13
